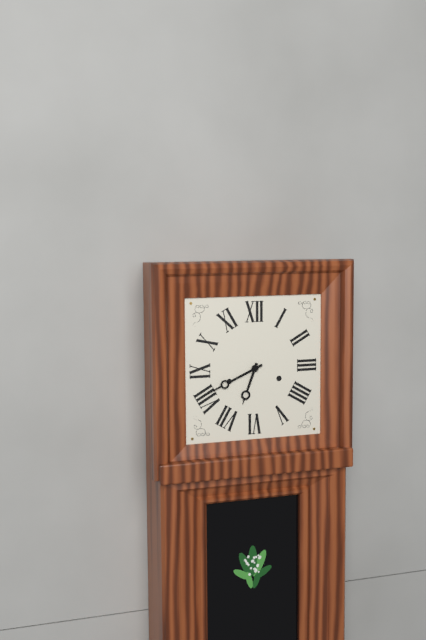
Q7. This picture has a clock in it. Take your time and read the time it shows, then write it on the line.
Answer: 6:41
